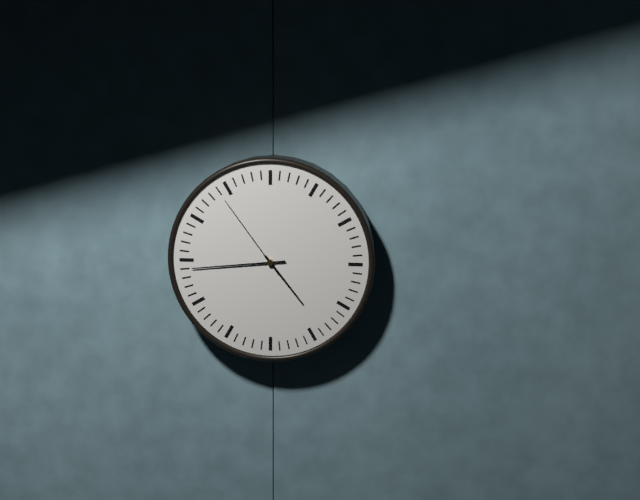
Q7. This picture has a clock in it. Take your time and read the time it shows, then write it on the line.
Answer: 4:44:54
